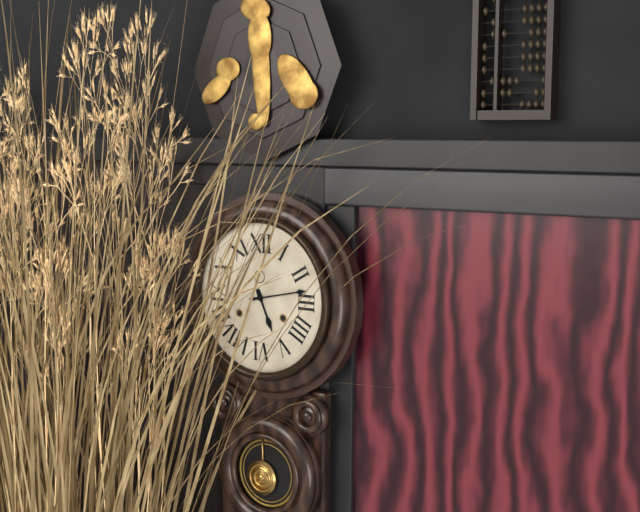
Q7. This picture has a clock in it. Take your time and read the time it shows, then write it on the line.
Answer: 5:13
